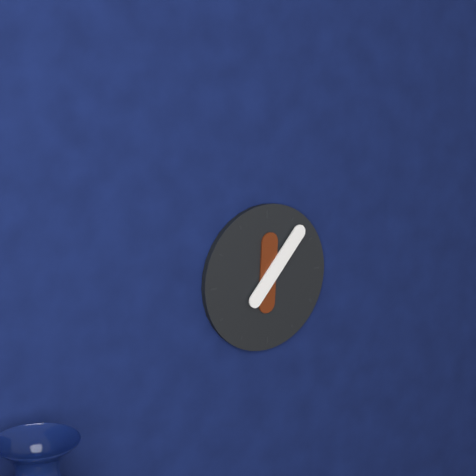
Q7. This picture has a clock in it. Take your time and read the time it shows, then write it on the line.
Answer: 12:07
